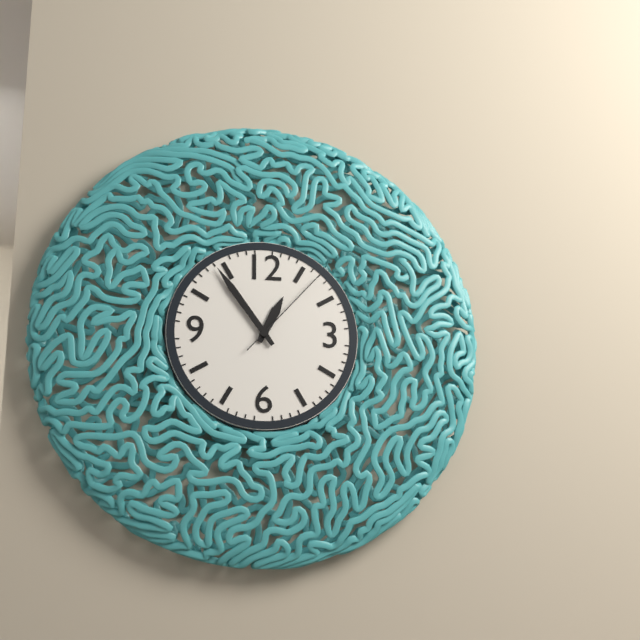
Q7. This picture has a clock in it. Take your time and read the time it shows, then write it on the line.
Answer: 12:54:07
